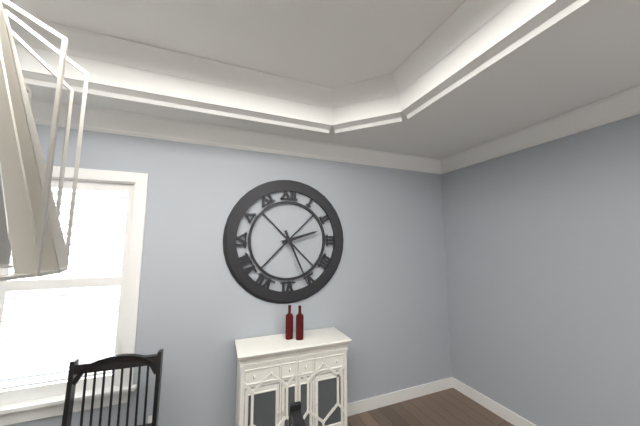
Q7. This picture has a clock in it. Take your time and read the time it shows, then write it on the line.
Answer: 2:26
